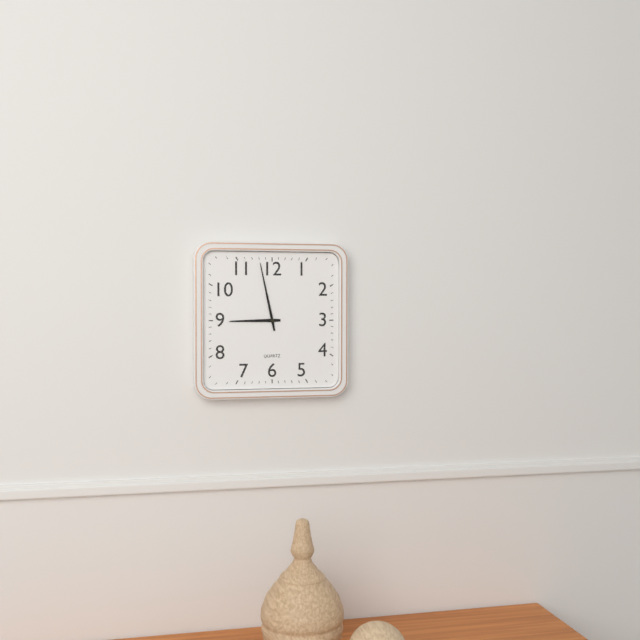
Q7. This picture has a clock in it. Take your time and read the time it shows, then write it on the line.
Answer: 8:58
